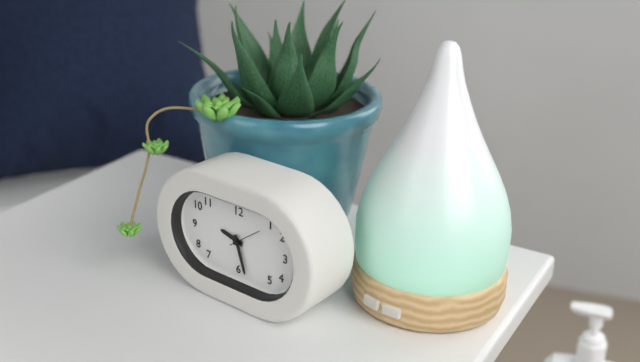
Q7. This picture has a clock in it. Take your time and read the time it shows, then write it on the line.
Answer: 9:27
